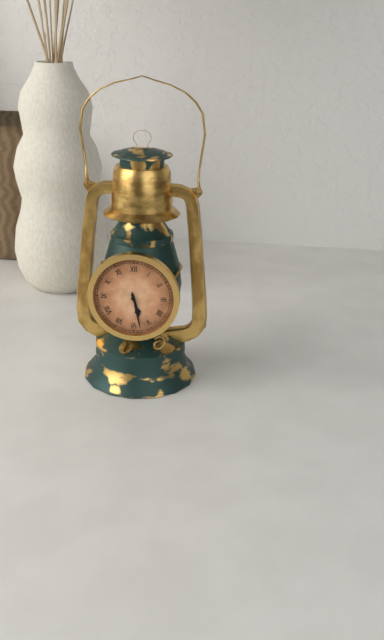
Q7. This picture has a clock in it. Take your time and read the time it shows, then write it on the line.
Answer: 5:28
